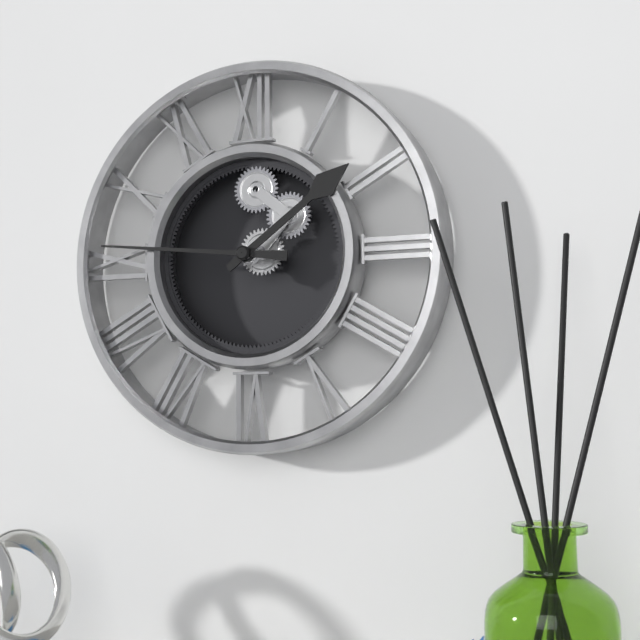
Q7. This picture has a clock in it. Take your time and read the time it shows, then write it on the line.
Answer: 1:46
